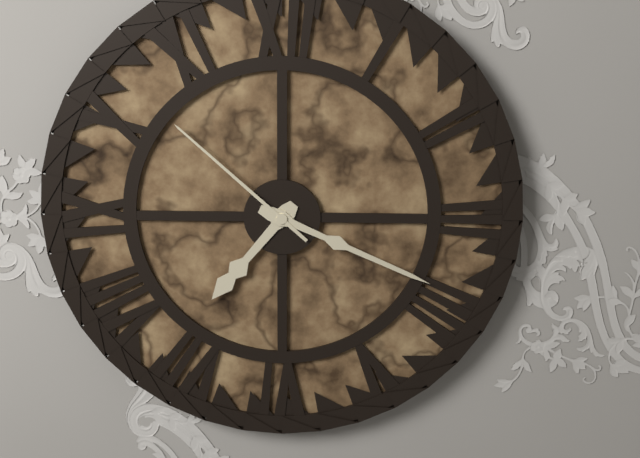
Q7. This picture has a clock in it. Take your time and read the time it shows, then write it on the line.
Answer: 7:19:52
